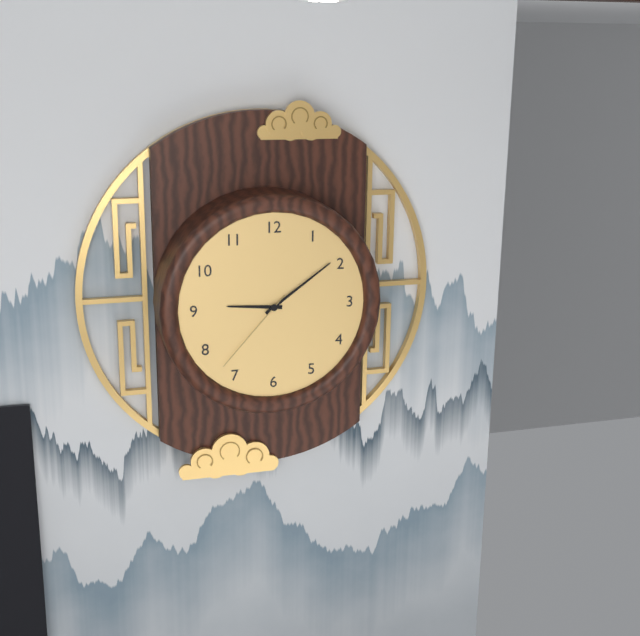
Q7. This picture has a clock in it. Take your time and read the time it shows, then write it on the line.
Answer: 9:09:37
